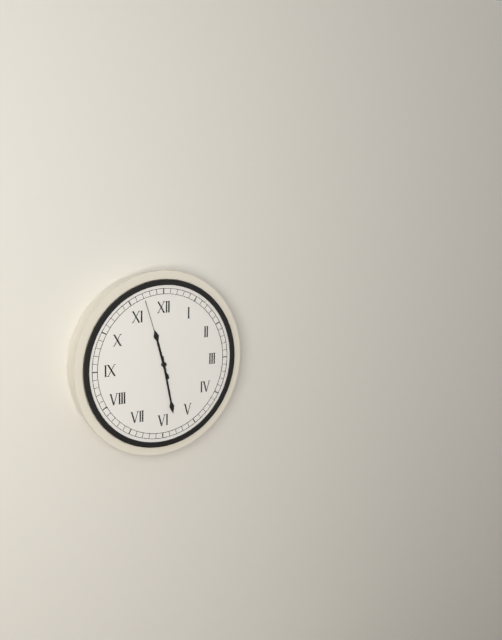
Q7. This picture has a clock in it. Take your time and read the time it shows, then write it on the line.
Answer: 11:28:57
